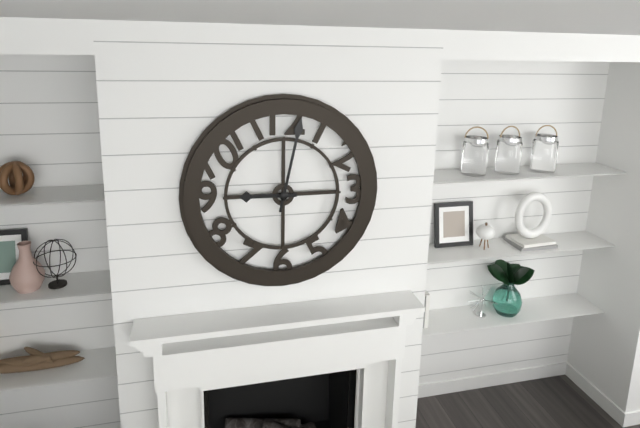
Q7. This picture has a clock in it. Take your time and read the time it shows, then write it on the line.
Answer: 9:02
